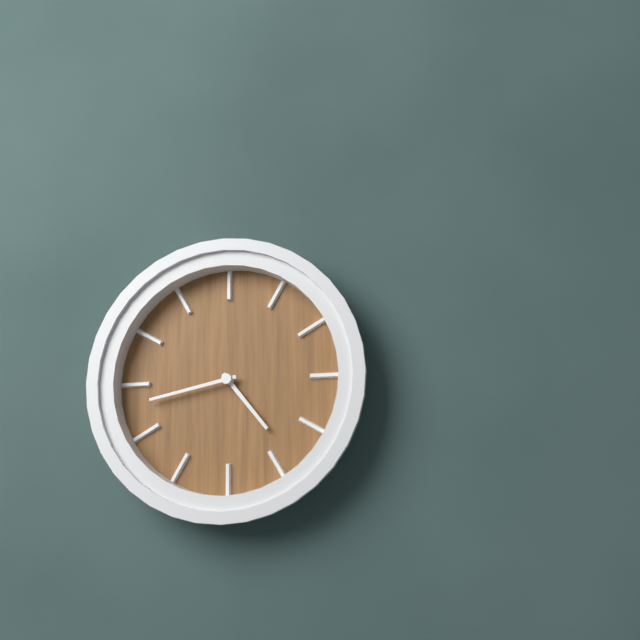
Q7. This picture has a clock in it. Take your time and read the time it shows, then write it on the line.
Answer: 4:43
